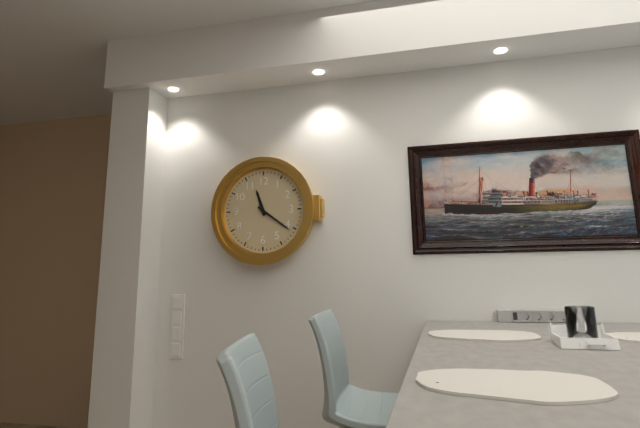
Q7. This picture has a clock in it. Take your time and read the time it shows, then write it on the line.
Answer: 11:21
